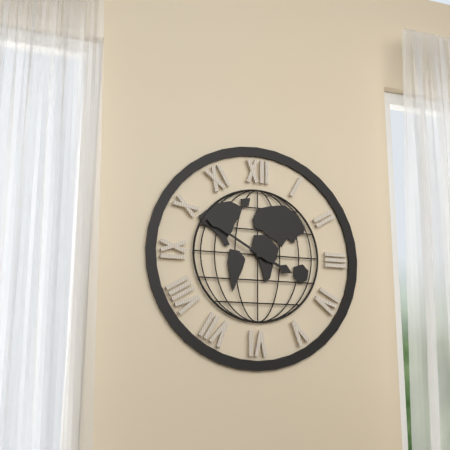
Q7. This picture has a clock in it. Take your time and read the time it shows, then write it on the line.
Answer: 3:50
